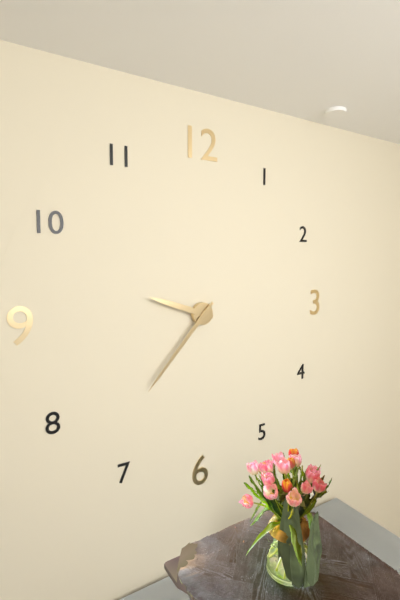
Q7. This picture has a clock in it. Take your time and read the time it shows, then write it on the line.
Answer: 9:37
